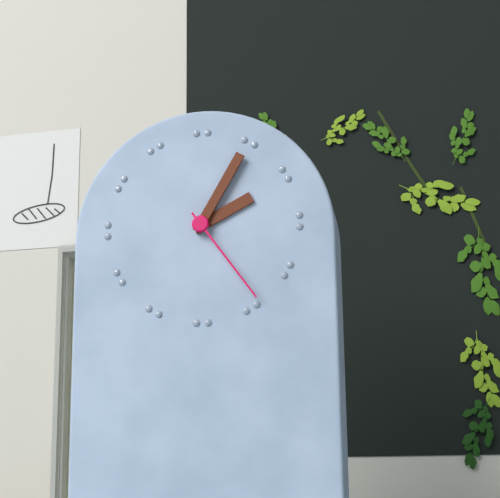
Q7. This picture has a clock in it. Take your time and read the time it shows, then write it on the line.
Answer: 2:05:24
